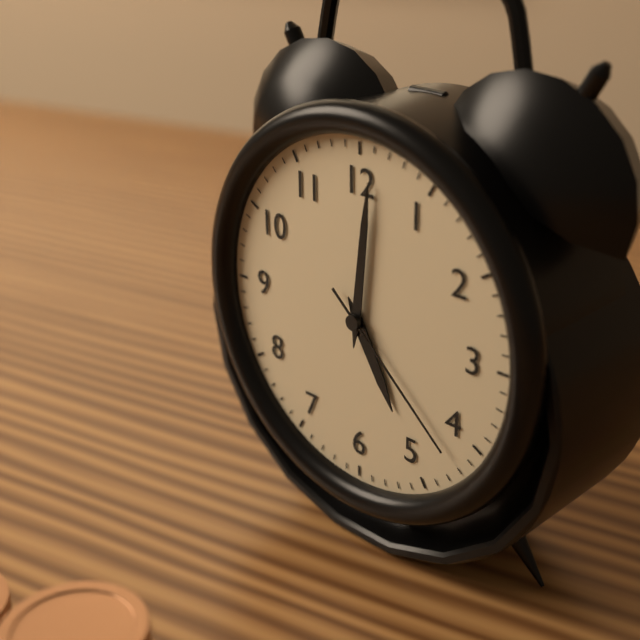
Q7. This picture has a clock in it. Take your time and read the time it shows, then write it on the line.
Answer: 5:01:22
